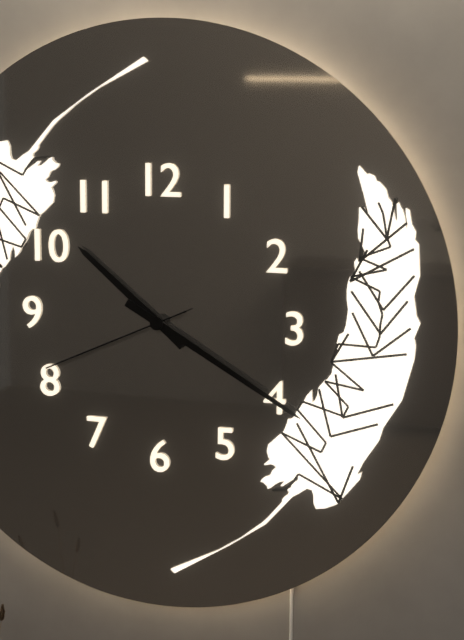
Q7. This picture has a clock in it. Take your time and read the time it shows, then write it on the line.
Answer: 10:20:41
